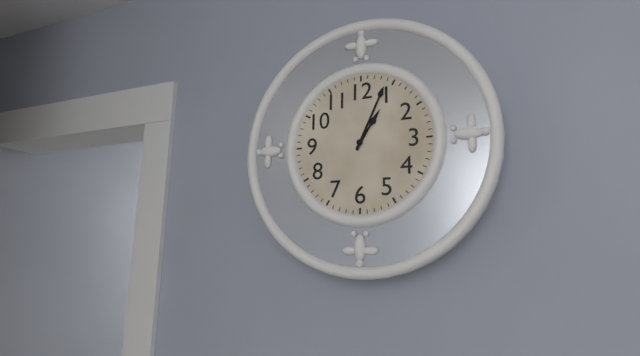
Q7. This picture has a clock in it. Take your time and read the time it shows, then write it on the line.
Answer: 1:04
